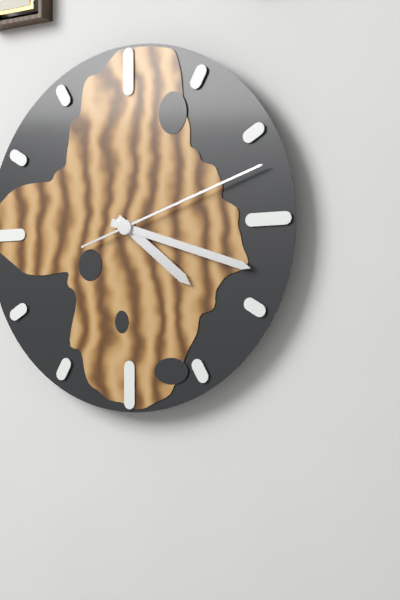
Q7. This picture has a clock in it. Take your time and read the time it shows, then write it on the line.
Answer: 4:18:12
